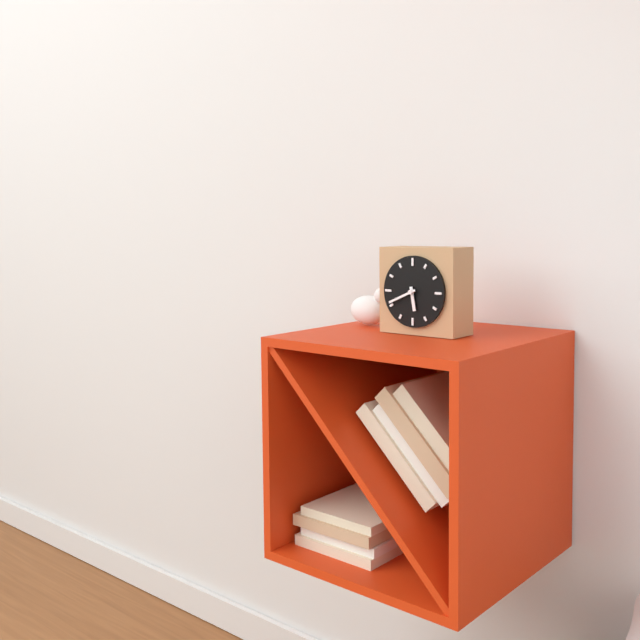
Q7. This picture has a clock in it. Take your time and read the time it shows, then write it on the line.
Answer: 5:41
